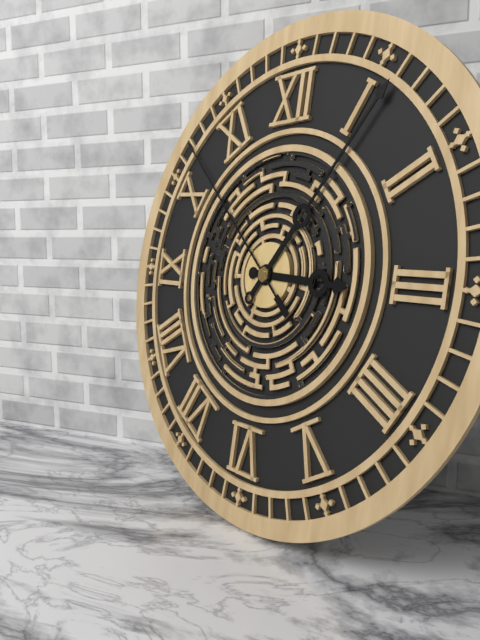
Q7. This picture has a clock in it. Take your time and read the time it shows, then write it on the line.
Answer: 3:06:52
